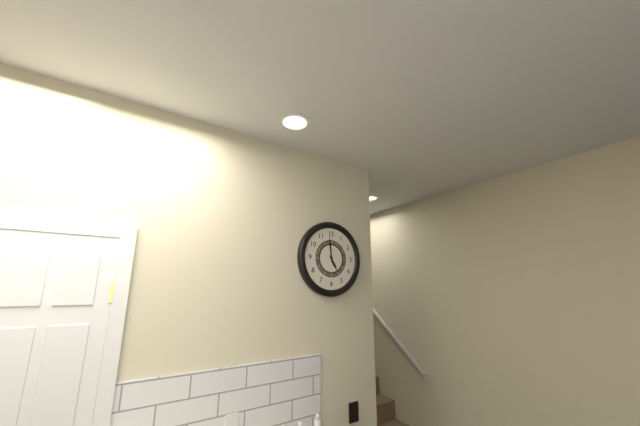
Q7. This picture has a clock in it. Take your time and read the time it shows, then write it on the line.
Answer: 4:59
